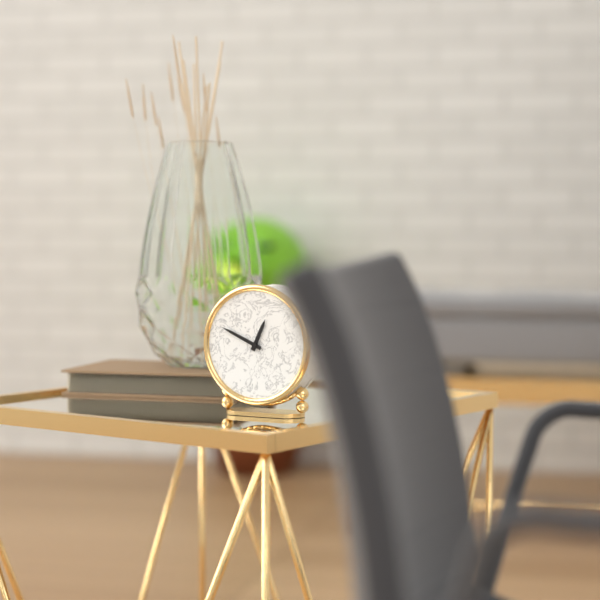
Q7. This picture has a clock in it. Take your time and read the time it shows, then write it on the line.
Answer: 12:49
